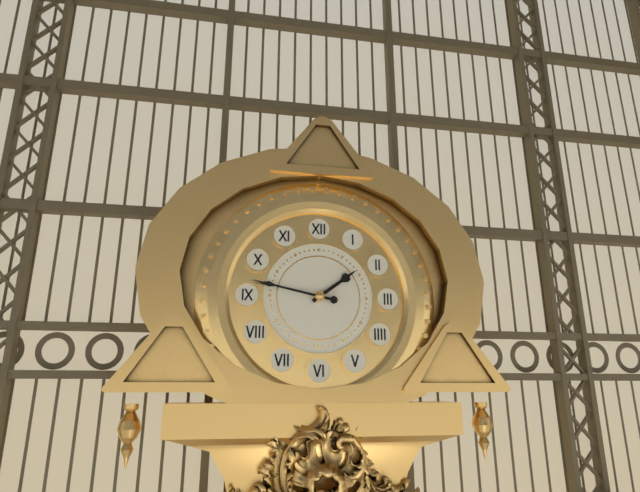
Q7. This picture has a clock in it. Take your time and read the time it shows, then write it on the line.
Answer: 1:47
